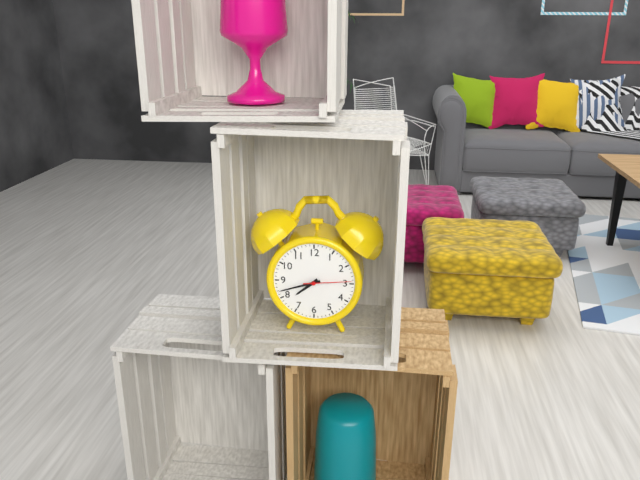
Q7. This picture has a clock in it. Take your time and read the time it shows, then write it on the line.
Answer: 7:42
